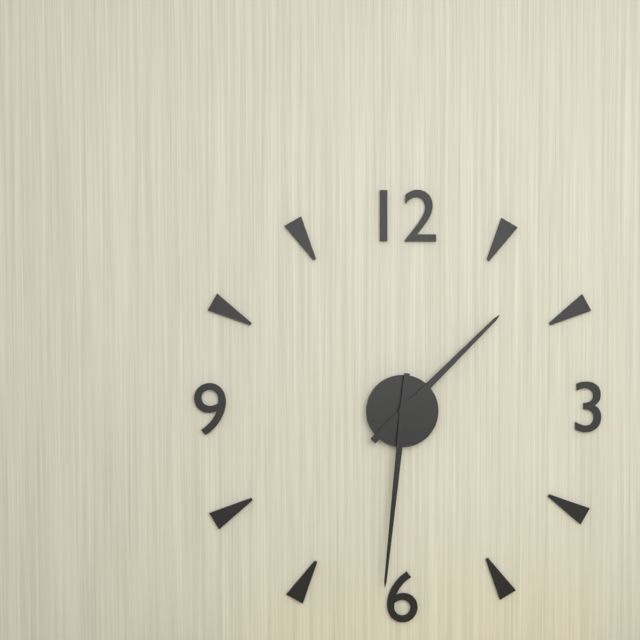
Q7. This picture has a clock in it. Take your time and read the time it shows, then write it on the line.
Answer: 1:31
